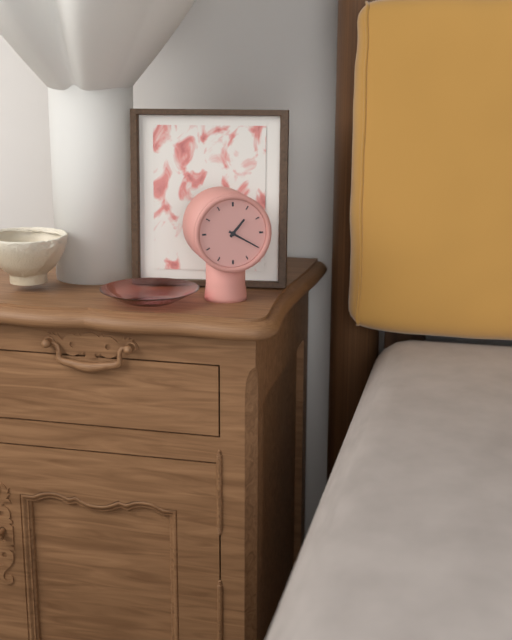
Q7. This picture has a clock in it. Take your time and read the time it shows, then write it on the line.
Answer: 1:20
